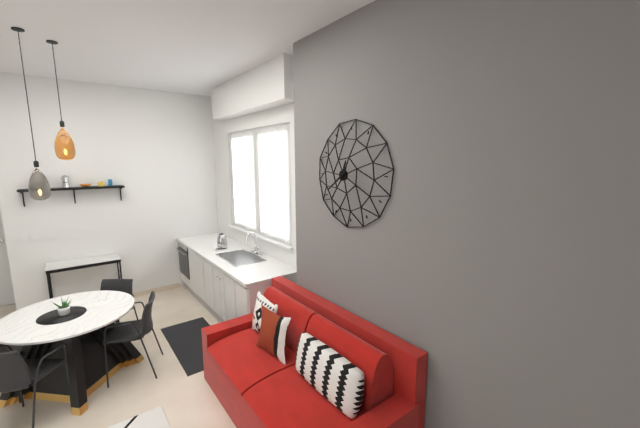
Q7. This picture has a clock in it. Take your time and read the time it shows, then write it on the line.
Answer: 12:39
